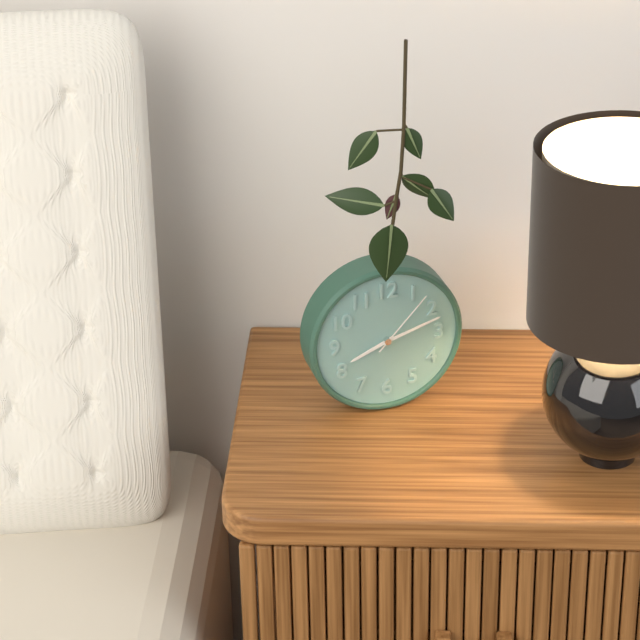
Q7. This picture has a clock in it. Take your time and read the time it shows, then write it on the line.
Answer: 8:12:07
